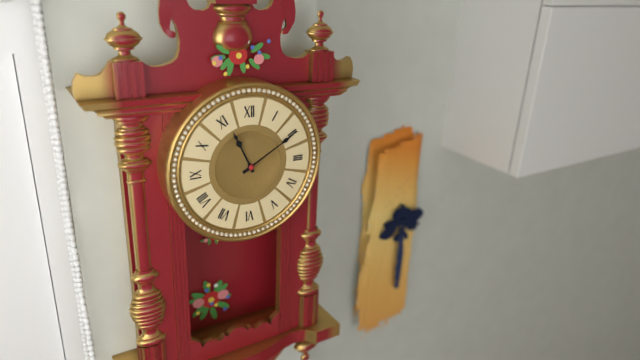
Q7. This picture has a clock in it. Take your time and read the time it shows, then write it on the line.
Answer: 11:10
